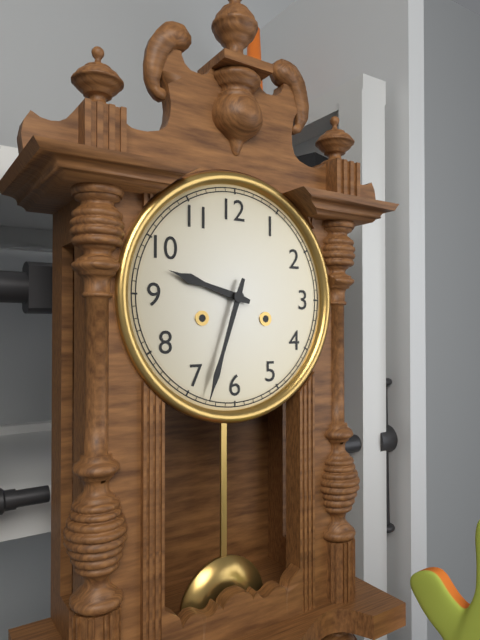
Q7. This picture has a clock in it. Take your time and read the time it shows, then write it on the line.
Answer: 9:33
